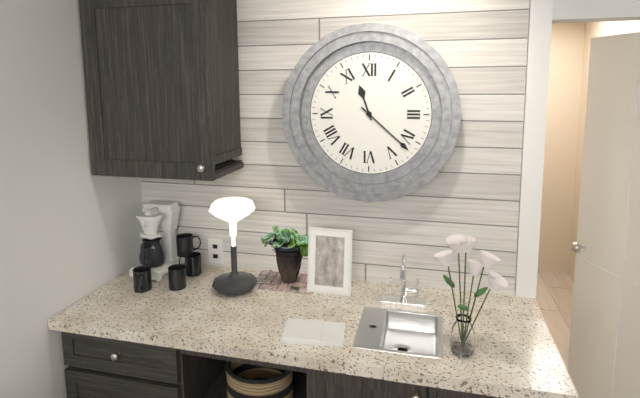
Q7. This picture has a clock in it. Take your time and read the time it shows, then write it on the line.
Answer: 11:22
